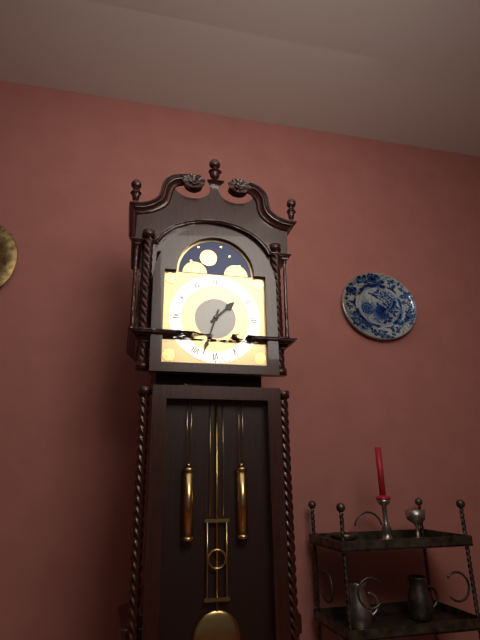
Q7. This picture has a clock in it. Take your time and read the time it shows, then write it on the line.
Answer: 1:33
